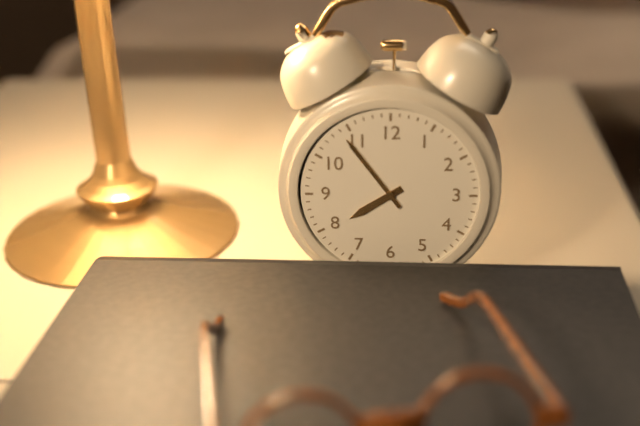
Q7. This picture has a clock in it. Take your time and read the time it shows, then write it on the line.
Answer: 7:54
